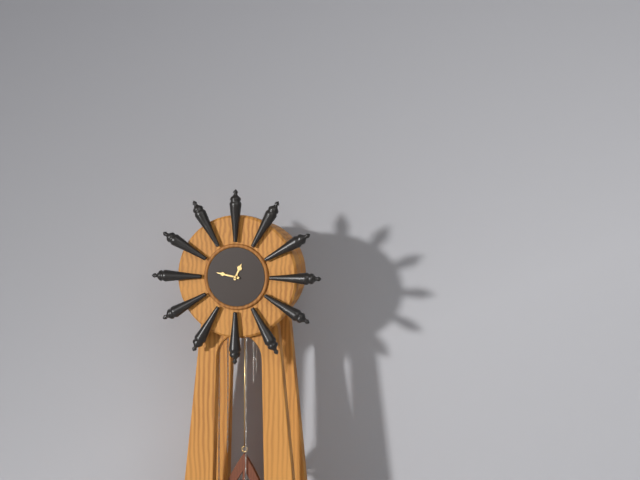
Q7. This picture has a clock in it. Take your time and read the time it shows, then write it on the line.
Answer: 12:47
